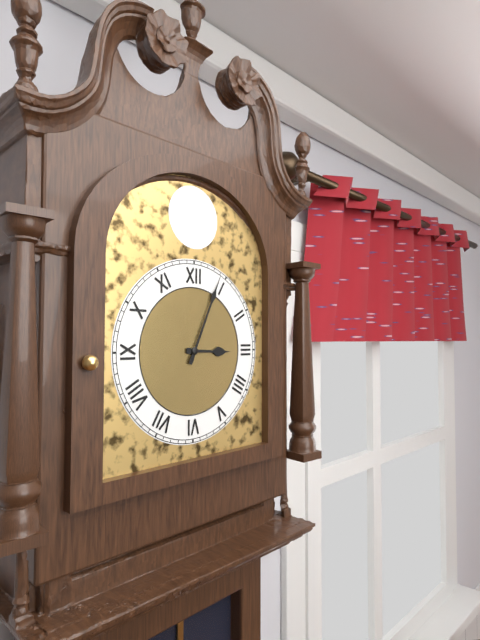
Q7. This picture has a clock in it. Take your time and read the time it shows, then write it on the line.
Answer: 3:04
